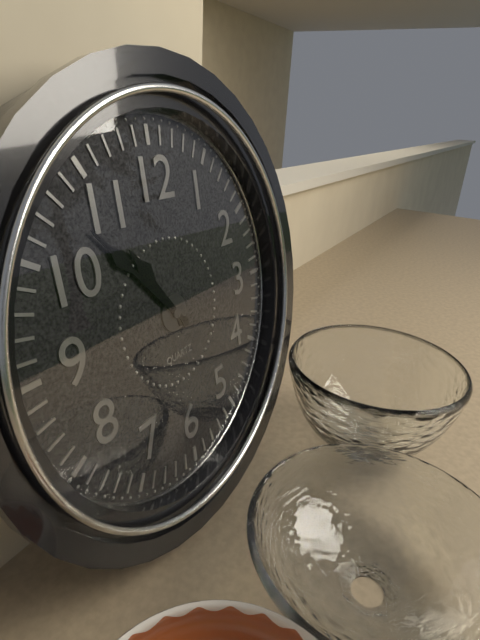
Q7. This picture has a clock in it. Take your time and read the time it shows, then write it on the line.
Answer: 10:53
